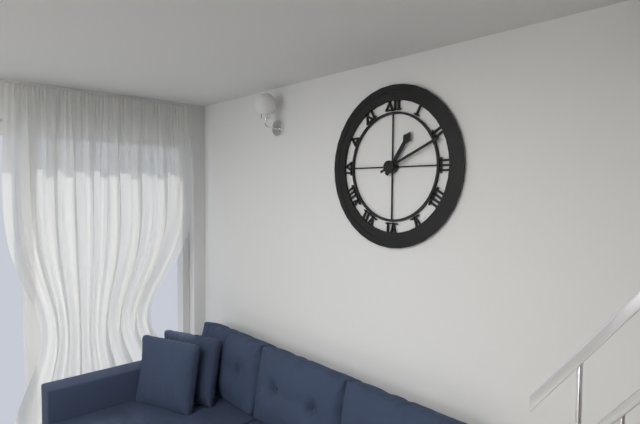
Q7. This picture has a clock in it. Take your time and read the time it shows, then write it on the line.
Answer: 1:11
